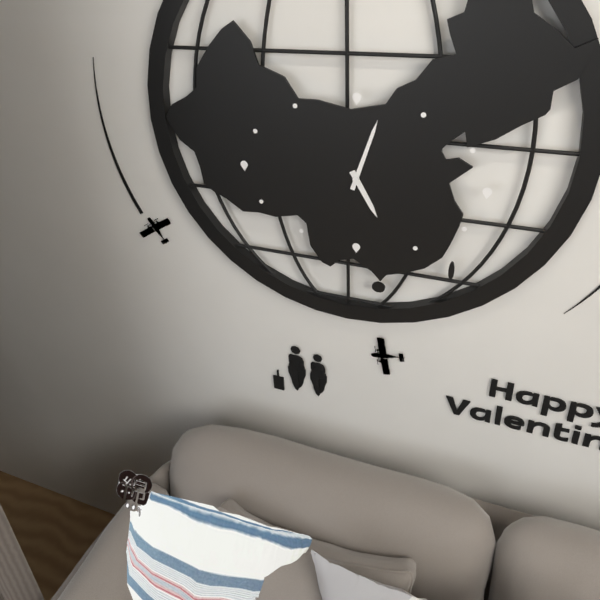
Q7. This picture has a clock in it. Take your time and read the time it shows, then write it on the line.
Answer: 5:03
